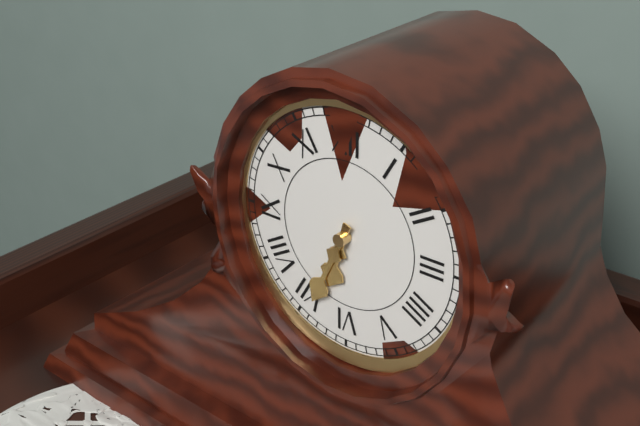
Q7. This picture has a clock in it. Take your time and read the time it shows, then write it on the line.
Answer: 6:34
